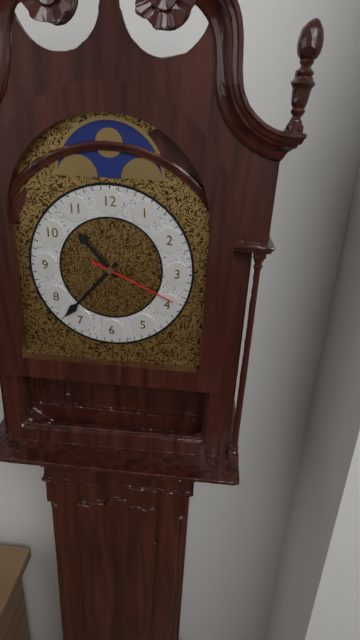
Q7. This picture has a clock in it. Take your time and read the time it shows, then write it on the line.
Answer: 10:37:19
